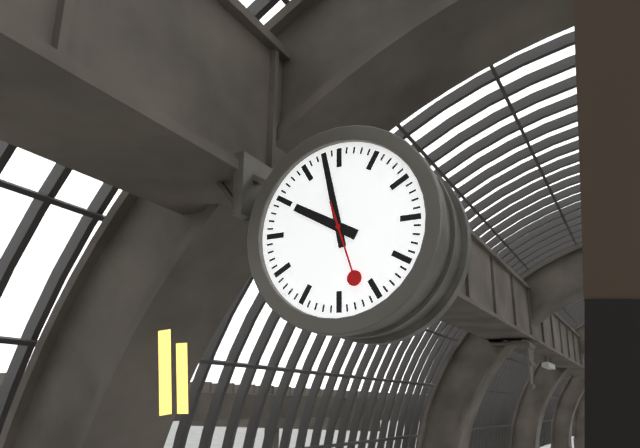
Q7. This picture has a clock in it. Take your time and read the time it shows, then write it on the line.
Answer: 9:58:27
